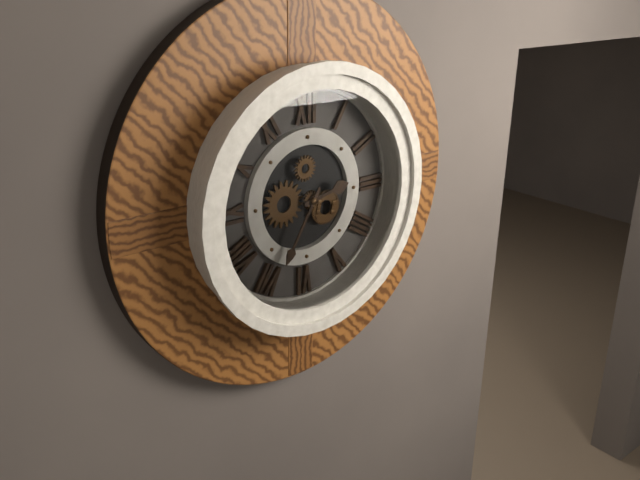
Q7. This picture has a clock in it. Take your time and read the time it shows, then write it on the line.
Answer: 2:35
